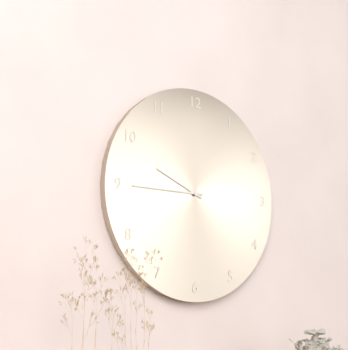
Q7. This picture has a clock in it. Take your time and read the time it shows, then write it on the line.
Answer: 9:45
